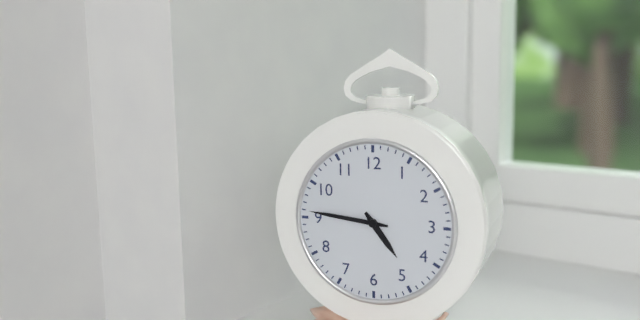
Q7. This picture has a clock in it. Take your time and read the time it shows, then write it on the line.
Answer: 4:46
